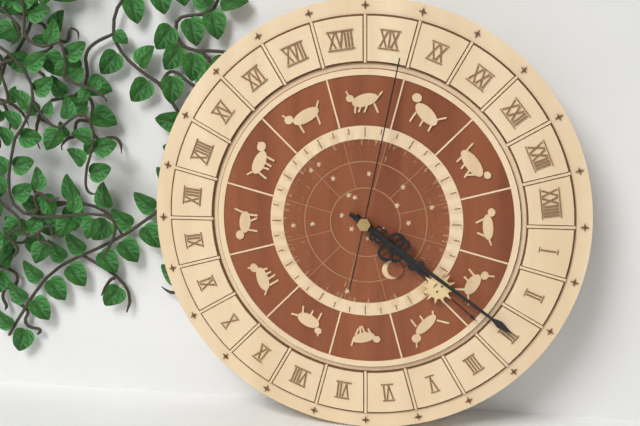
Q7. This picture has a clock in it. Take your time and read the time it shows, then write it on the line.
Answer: 4:21:02
